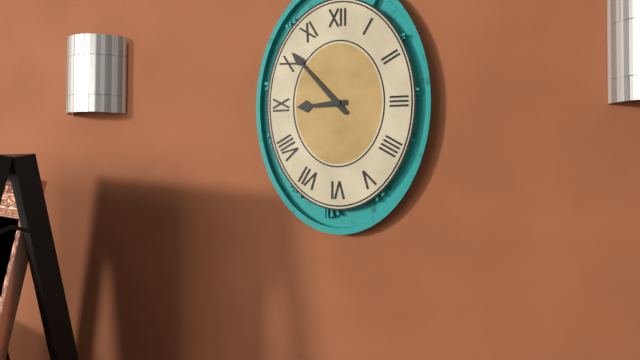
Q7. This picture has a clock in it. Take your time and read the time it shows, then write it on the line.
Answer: 8:53
